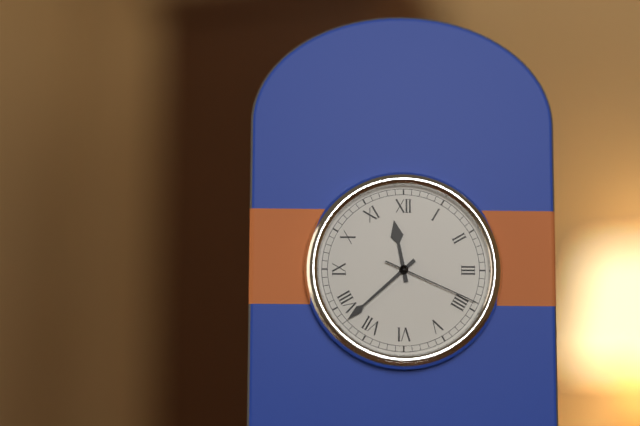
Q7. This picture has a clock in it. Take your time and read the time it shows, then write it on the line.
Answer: 11:38:19
